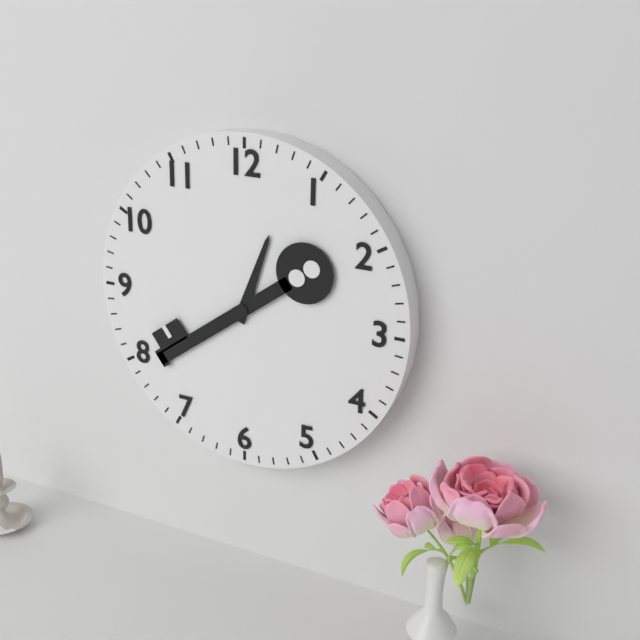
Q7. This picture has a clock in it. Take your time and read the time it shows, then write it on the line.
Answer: 12:39
